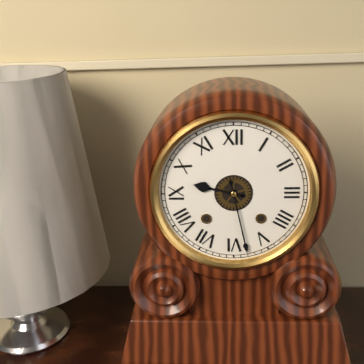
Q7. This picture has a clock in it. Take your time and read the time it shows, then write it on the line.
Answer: 9:28
